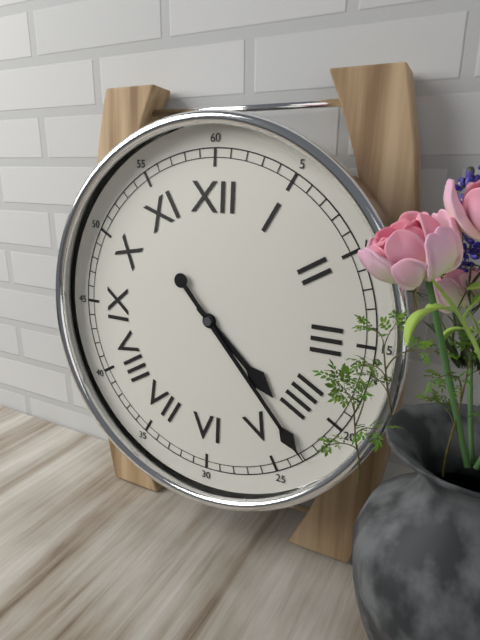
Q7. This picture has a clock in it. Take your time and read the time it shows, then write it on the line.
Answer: 4:23
